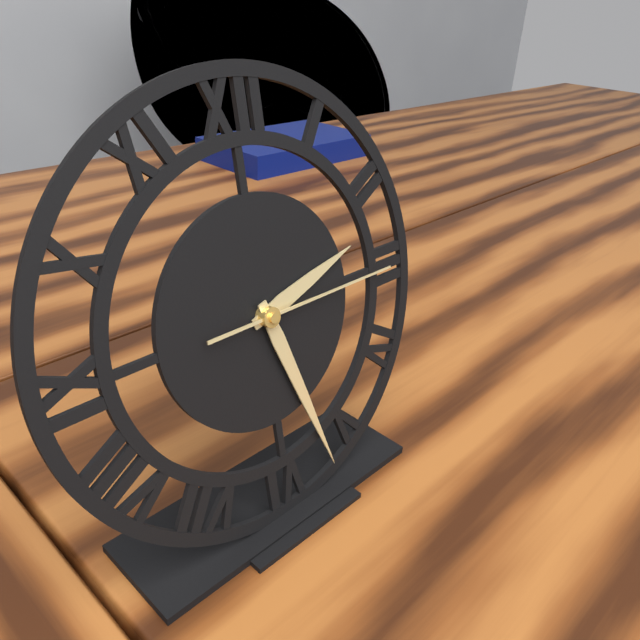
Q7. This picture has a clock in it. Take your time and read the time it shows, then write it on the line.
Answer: 2:27:15
